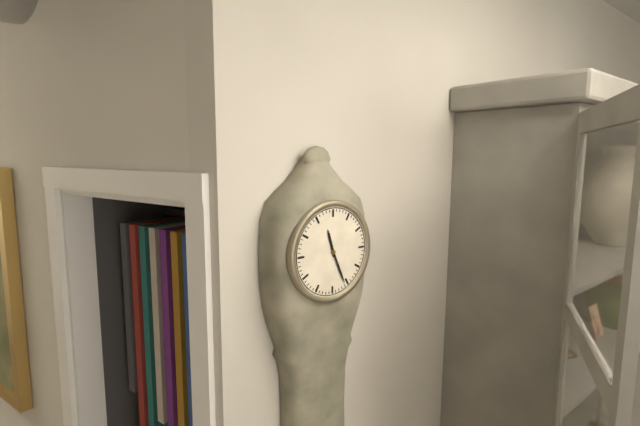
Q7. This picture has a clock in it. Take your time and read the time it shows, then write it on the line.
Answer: 11:26
